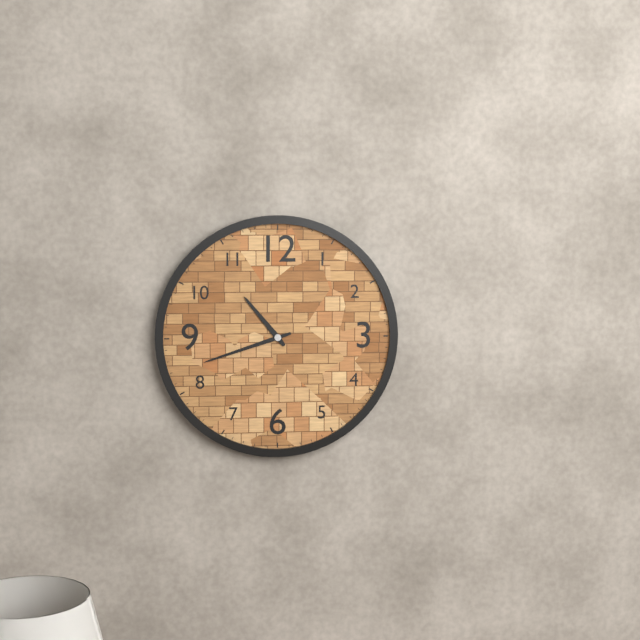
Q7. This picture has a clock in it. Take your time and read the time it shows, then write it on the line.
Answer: 10:42
